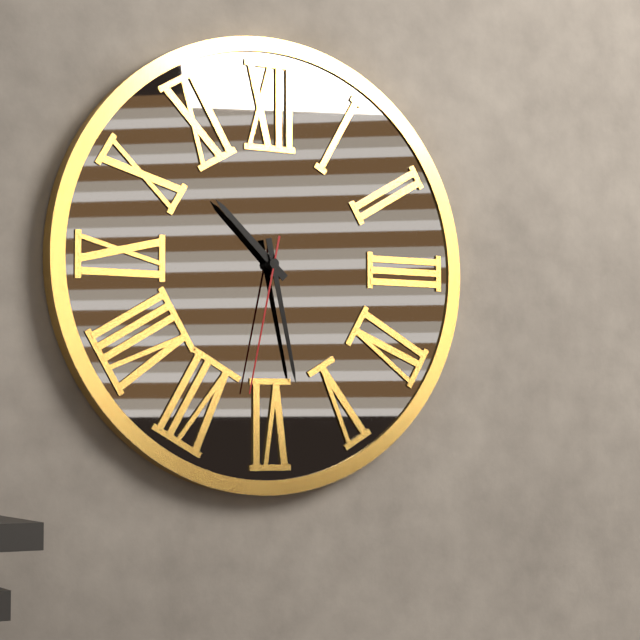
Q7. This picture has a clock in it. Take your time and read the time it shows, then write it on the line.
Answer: 10:28:32
